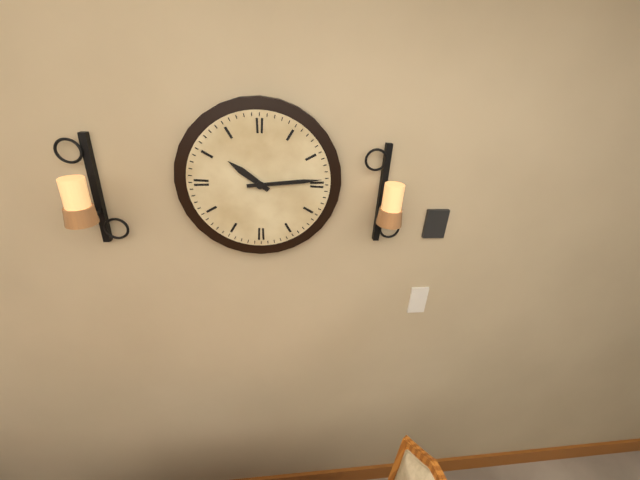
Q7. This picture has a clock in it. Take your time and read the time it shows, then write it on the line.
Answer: 10:14
